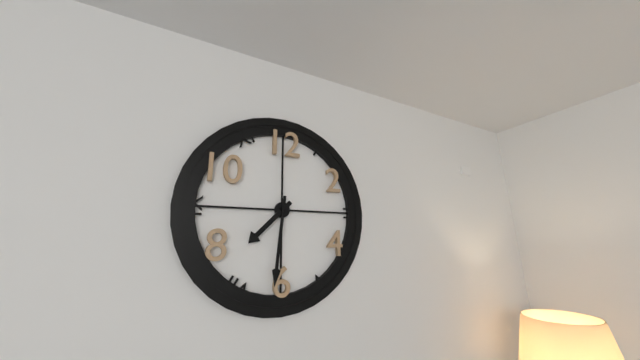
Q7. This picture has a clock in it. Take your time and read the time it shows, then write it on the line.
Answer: 7:31
